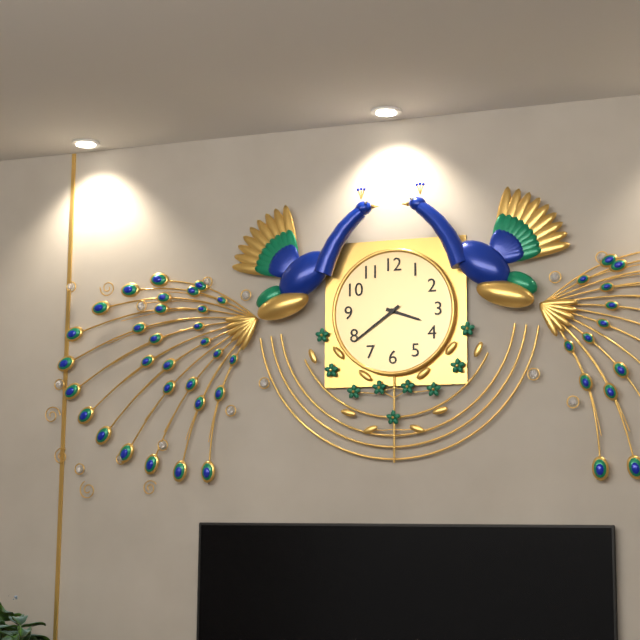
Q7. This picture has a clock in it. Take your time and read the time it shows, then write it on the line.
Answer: 3:39
